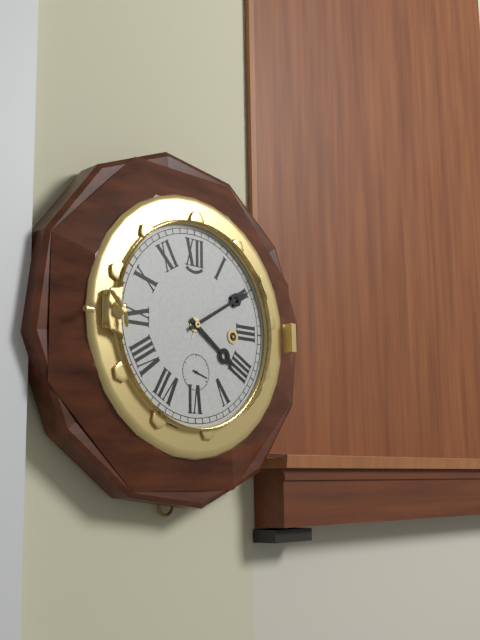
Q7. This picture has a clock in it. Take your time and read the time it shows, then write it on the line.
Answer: 4:10:18
